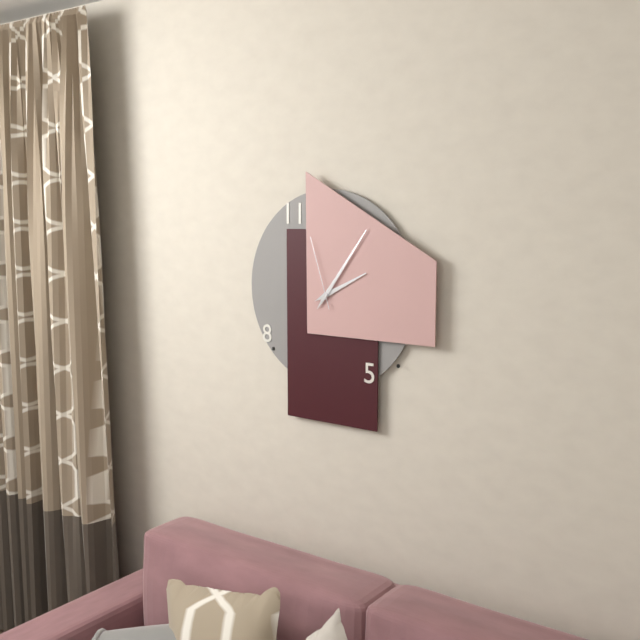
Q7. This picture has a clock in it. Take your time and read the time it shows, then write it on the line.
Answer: 2:06:57
